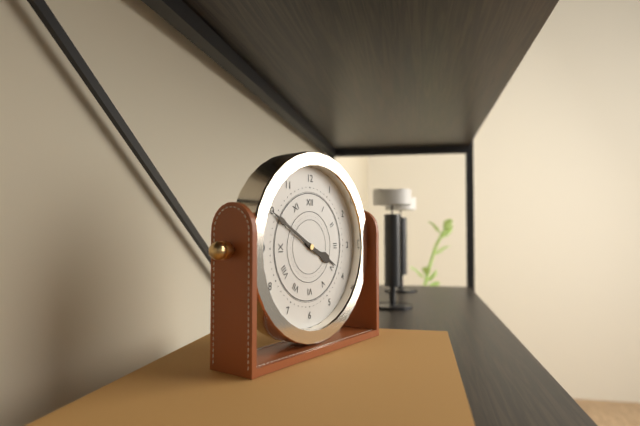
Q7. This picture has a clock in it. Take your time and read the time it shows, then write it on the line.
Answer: 3:50
